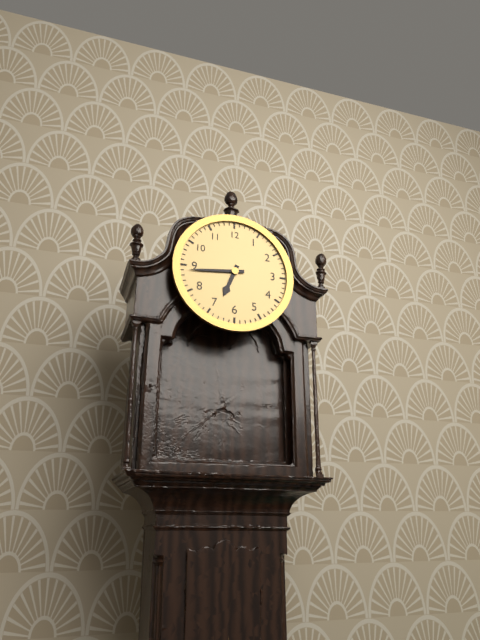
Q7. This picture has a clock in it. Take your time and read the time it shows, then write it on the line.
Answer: 6:44
